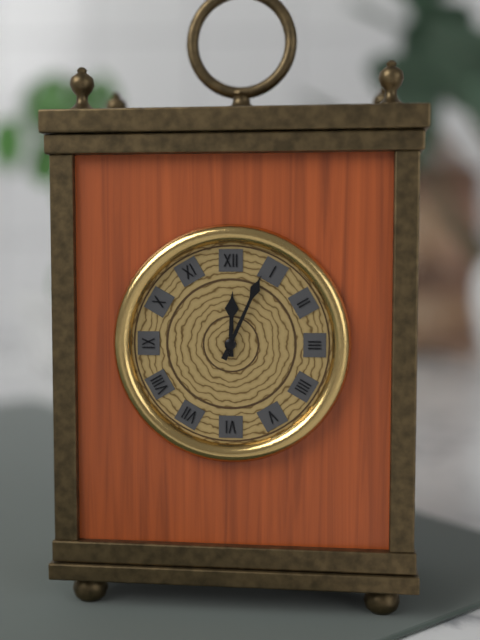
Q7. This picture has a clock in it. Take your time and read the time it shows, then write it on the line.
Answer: 12:04
